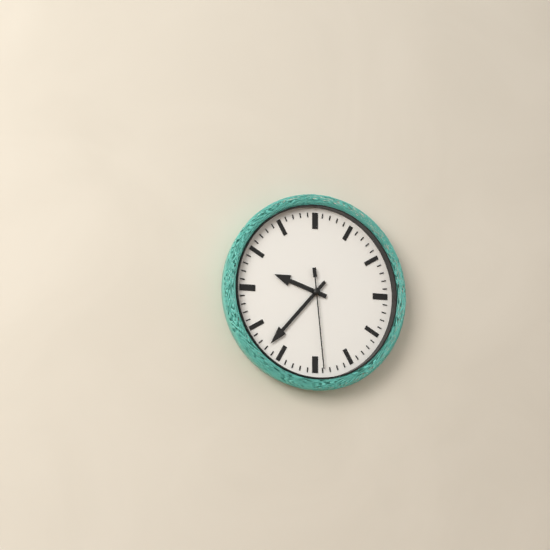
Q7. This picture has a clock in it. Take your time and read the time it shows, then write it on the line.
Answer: 9:37:29
